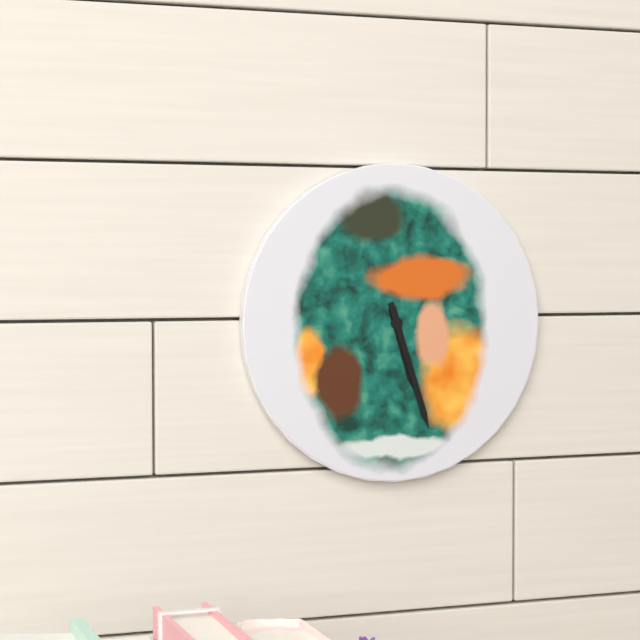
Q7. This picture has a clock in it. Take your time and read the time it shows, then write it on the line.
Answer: 5:27
